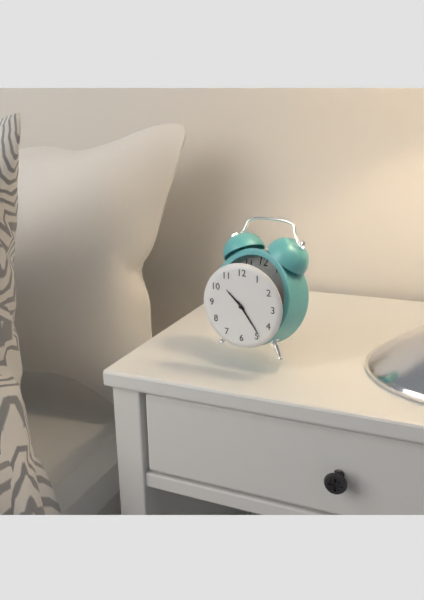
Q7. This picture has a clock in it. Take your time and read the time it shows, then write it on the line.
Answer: 10:24
